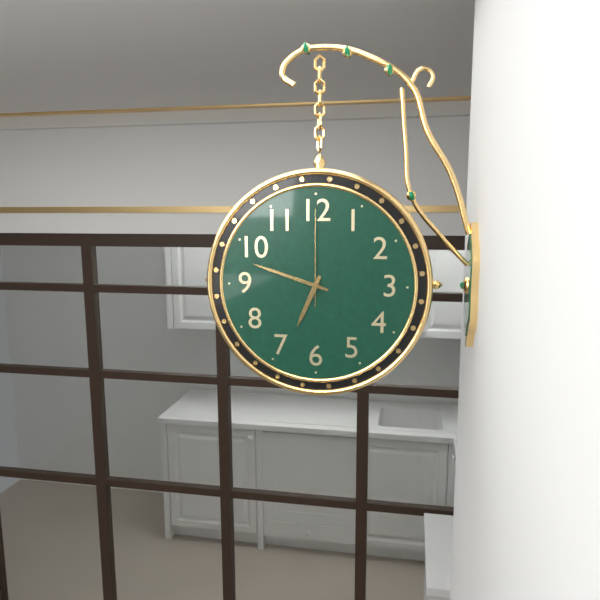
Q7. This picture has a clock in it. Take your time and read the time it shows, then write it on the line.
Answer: 6:48:00
